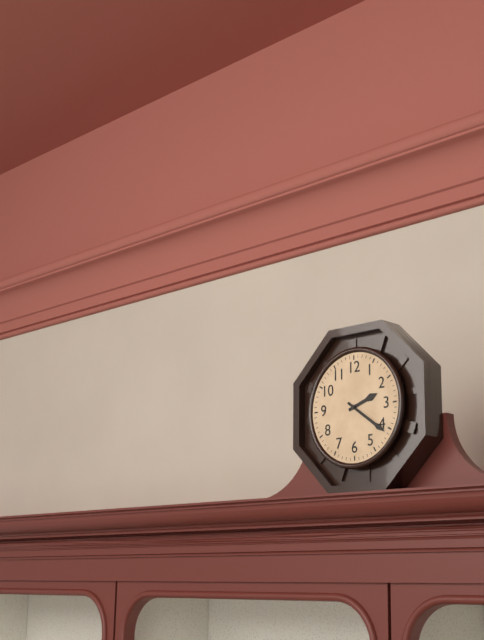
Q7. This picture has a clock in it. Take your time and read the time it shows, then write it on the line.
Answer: 2:21
